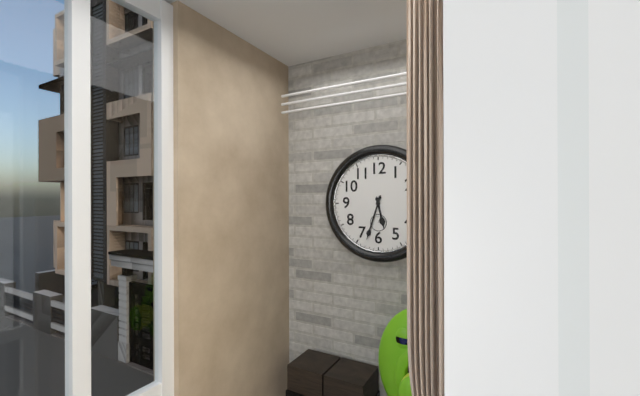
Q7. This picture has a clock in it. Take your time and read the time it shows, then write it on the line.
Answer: 5:33
